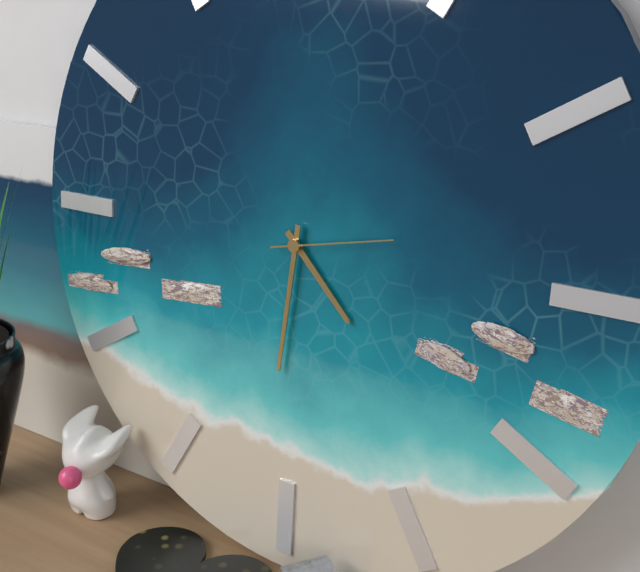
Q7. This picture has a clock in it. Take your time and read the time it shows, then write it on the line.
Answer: 4:31:13
